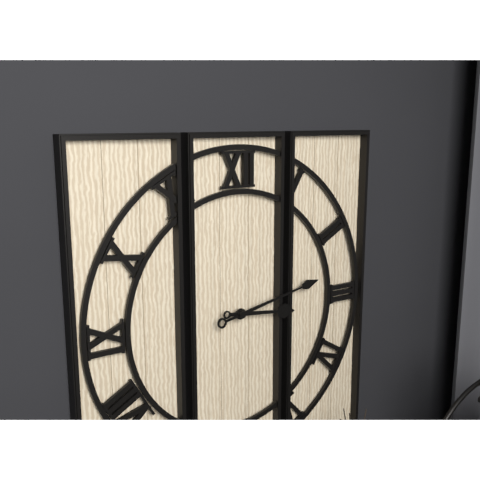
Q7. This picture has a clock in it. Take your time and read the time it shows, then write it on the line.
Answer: 3:13
